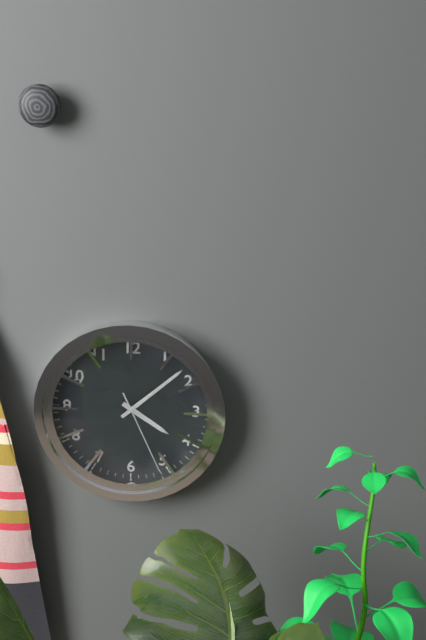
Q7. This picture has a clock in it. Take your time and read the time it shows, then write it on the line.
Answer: 4:08:26
